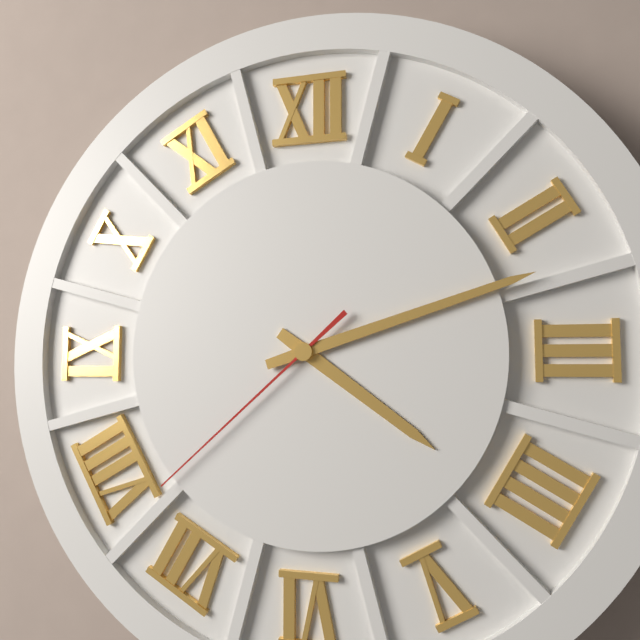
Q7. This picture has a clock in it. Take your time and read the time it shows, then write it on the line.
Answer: 4:12:38
